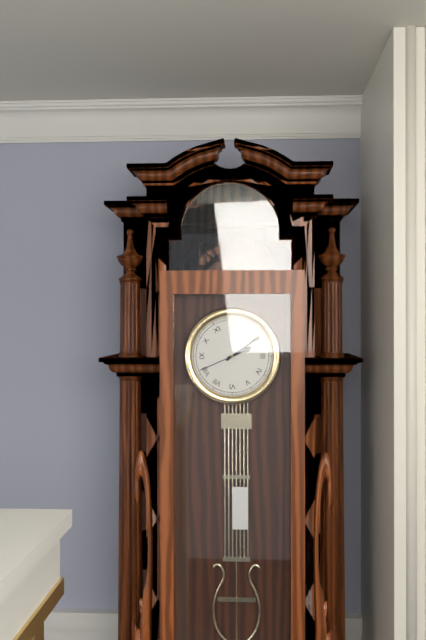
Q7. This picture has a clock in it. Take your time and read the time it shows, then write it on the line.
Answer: 2:09
